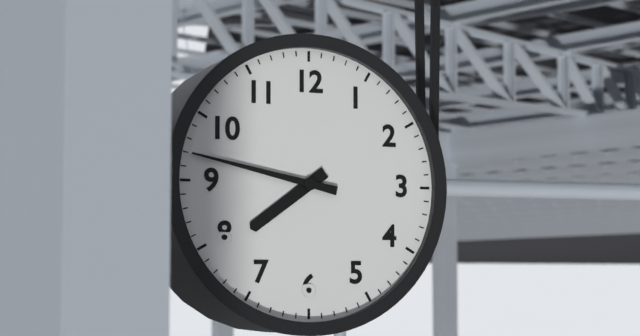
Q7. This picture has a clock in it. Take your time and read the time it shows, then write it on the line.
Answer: 7:47
